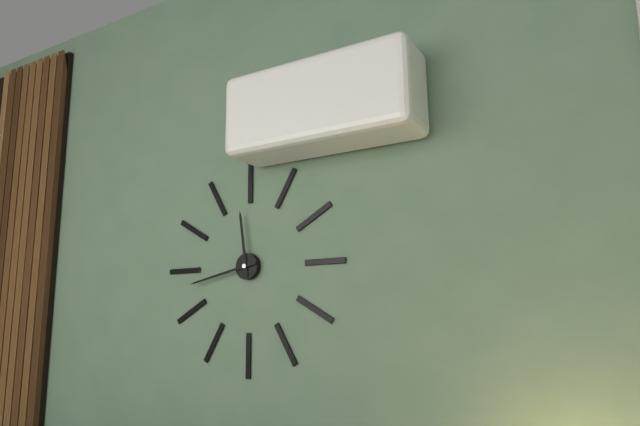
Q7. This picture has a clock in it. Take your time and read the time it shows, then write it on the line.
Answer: 11:43
